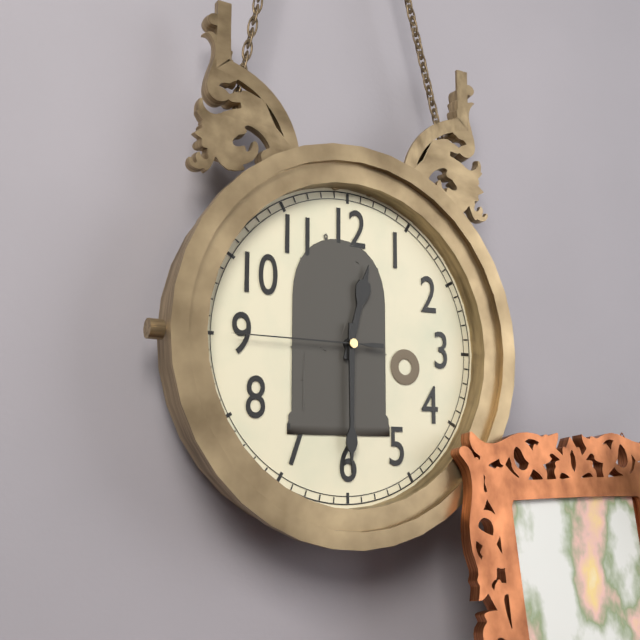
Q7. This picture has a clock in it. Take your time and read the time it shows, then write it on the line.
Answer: 12:30:45
